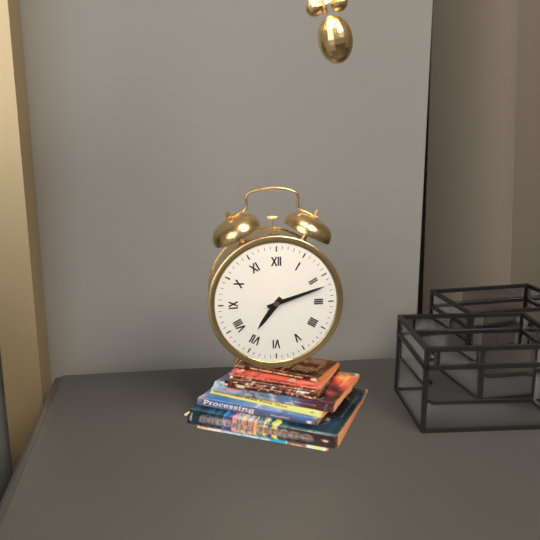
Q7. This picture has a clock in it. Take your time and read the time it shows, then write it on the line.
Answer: 7:12
